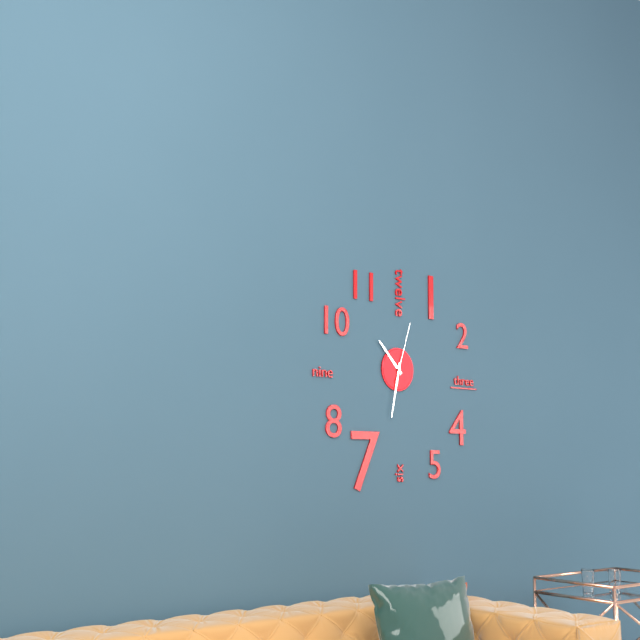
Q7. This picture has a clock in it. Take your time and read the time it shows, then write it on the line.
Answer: 10:32:03
